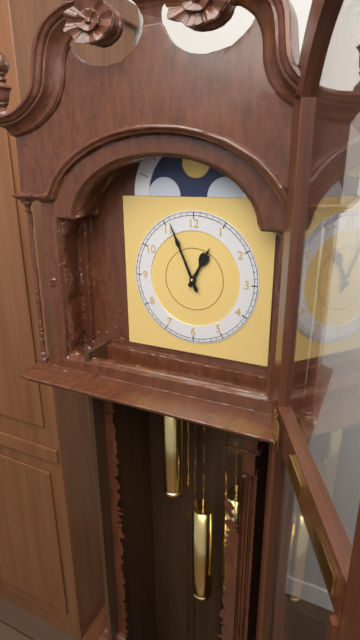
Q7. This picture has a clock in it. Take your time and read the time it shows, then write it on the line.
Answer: 12:56
